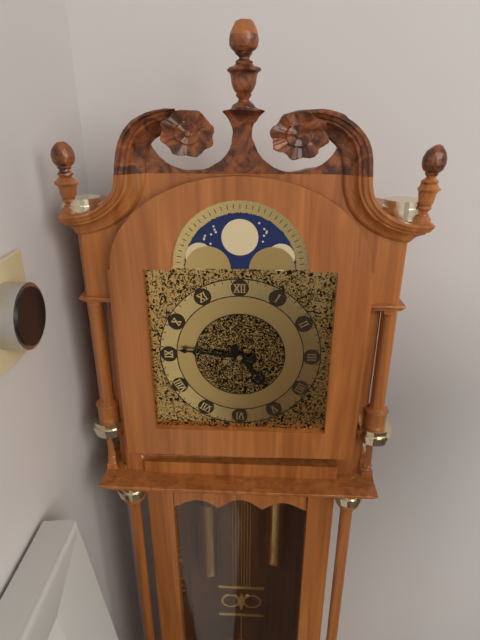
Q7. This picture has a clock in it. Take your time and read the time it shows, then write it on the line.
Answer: 4:46
